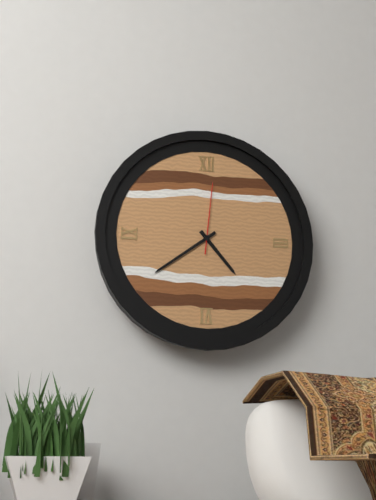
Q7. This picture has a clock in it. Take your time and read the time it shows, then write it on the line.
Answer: 4:39:01
